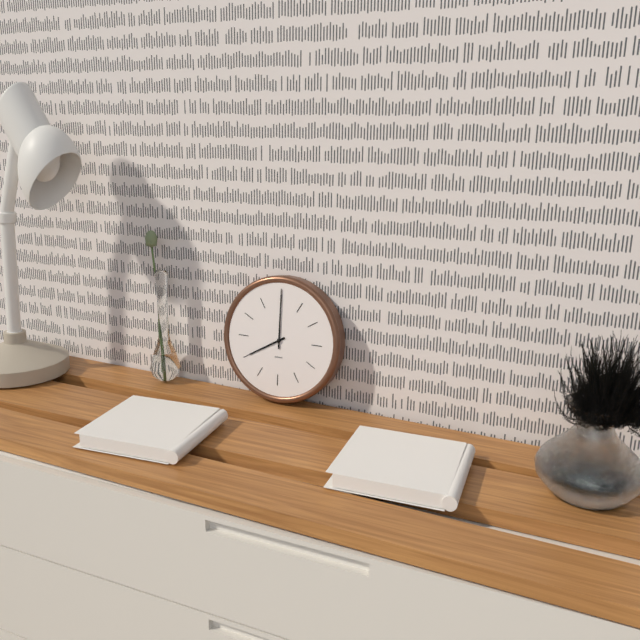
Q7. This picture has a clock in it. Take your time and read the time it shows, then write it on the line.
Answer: 8:00
